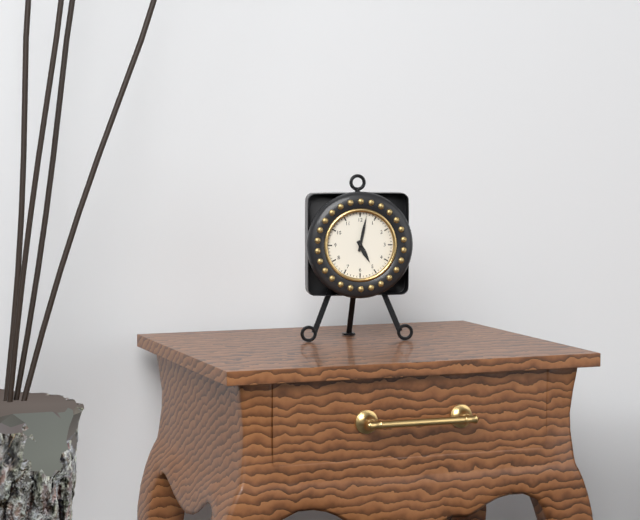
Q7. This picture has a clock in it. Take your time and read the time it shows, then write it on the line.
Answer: 5:02
